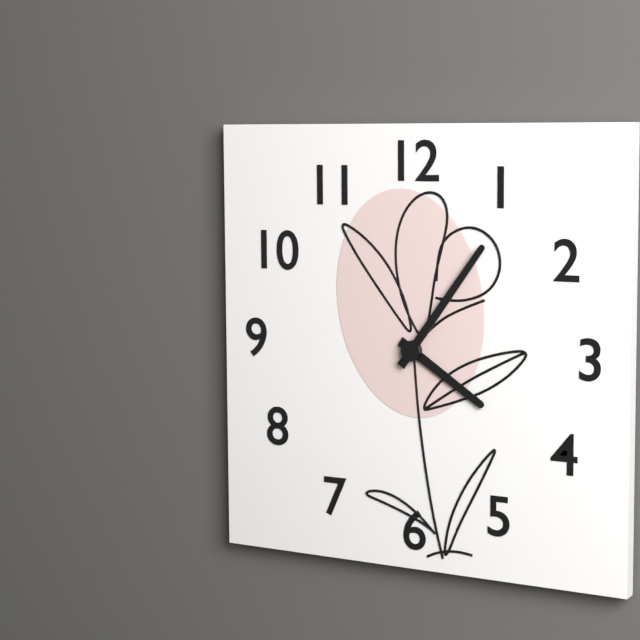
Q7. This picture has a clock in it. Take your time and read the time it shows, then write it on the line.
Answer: 4:06
